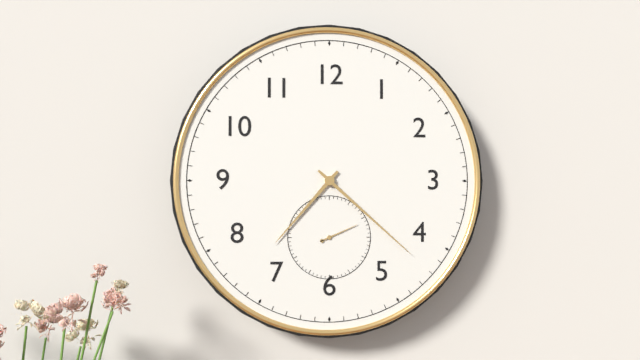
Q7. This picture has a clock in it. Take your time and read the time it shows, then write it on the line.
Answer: 7:22
